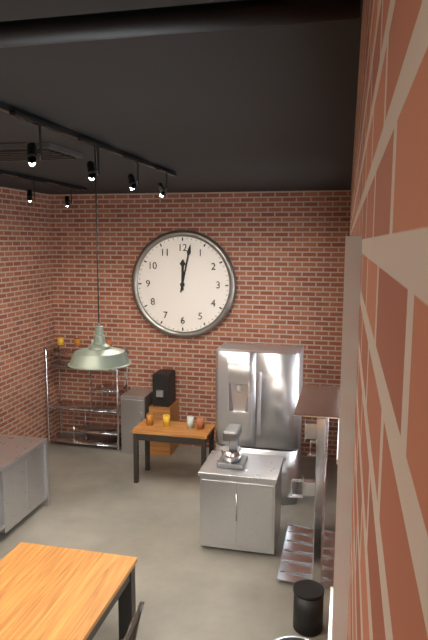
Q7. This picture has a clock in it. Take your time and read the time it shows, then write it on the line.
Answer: 12:02
